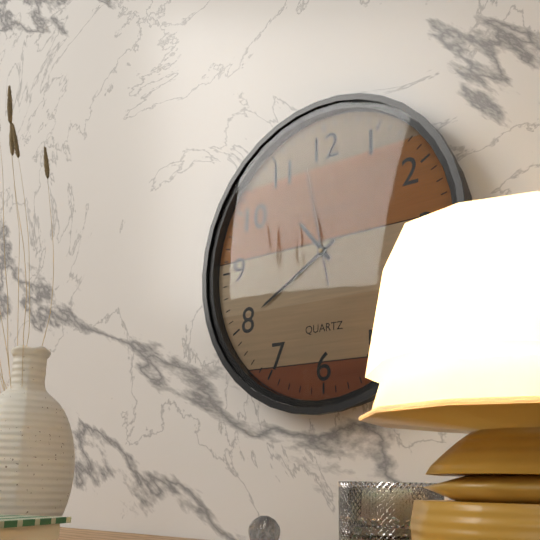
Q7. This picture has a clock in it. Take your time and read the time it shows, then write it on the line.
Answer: 10:40:58
